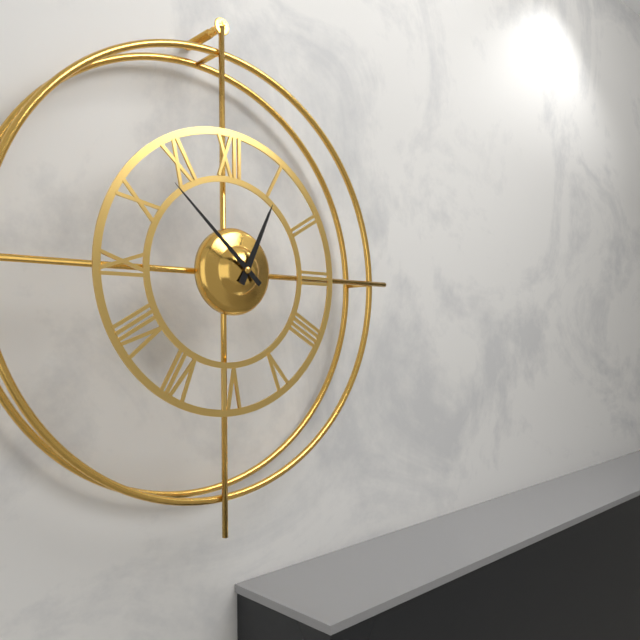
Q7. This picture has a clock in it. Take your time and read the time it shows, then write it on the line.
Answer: 12:52
